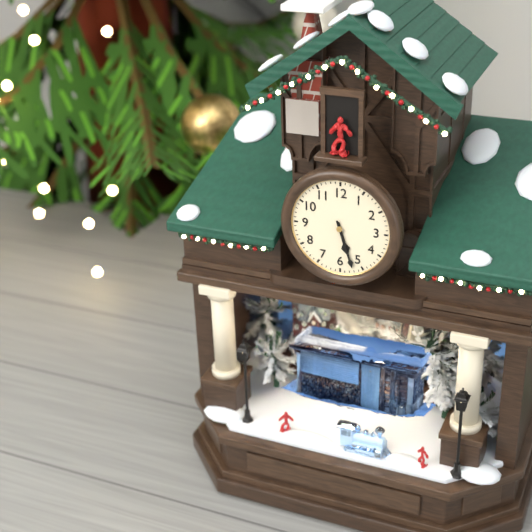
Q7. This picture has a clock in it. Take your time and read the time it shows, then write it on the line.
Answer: 5:27
